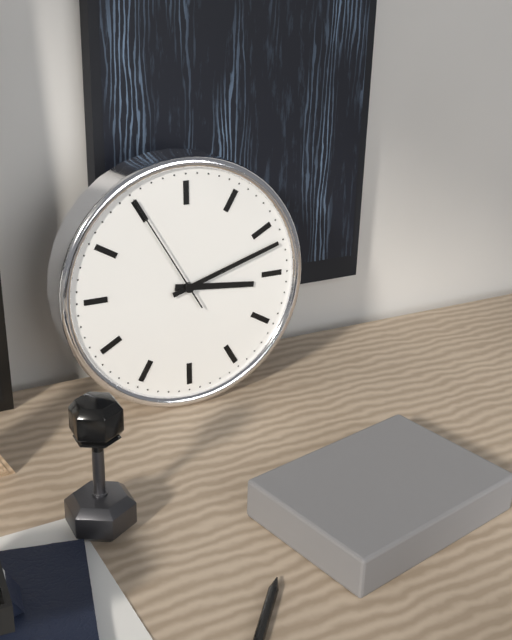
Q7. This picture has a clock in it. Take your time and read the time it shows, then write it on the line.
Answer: 3:12:55
